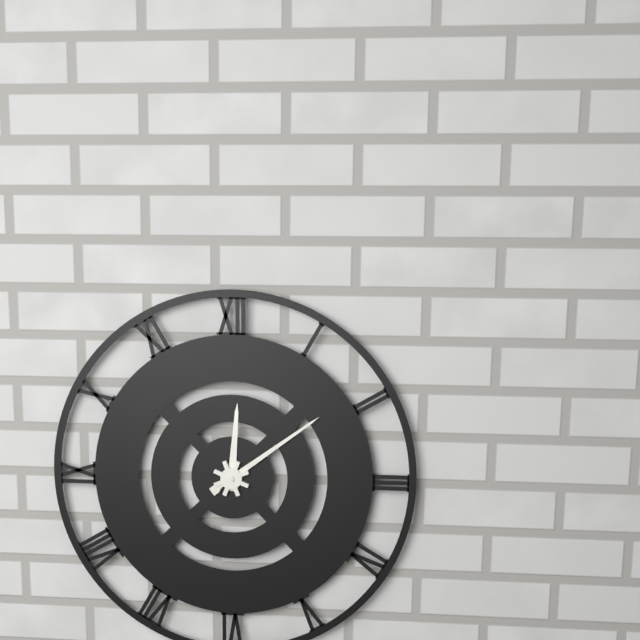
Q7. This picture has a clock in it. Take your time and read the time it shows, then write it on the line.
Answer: 12:09
